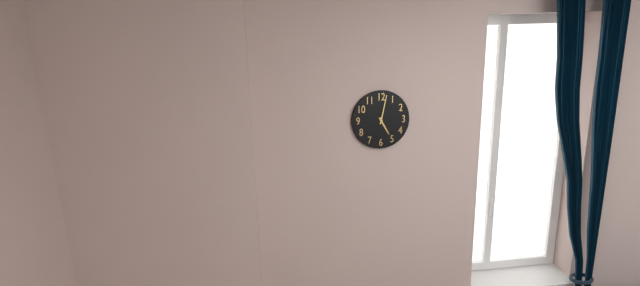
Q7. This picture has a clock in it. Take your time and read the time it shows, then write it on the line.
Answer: 5:02
